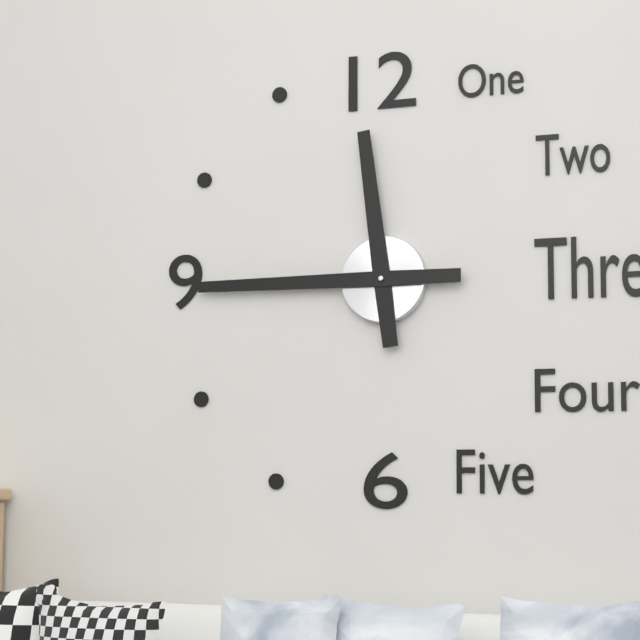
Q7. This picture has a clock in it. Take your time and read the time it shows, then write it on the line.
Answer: 11:45
